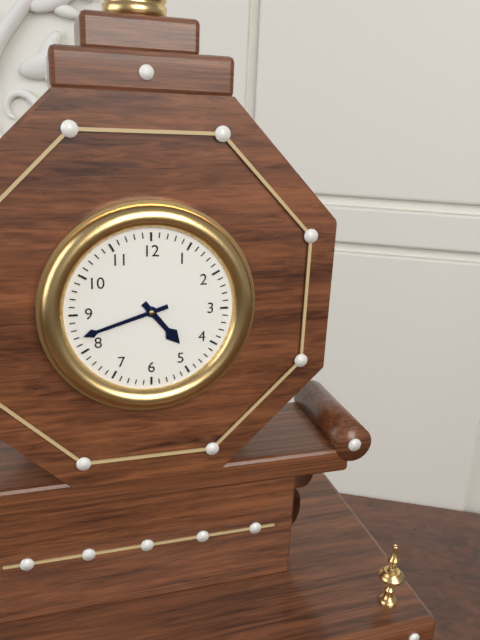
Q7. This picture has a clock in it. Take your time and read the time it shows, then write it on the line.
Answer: 4:42
